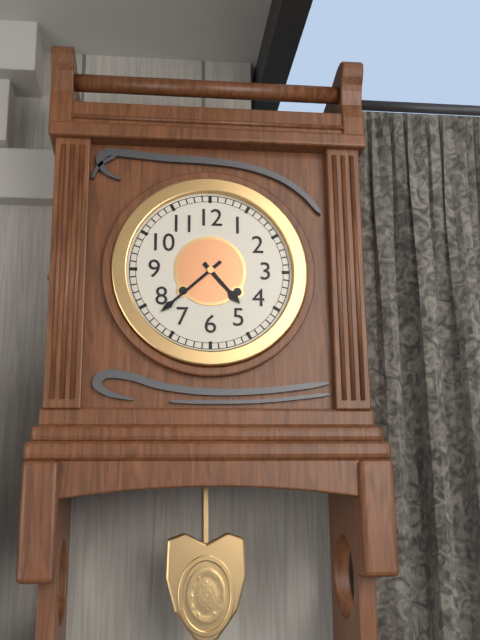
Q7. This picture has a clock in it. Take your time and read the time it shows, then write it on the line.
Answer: 4:38
